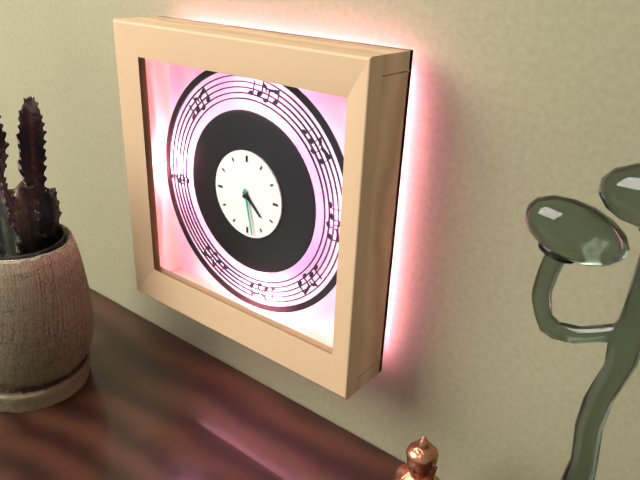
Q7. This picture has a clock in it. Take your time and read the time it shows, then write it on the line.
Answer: 4:28
